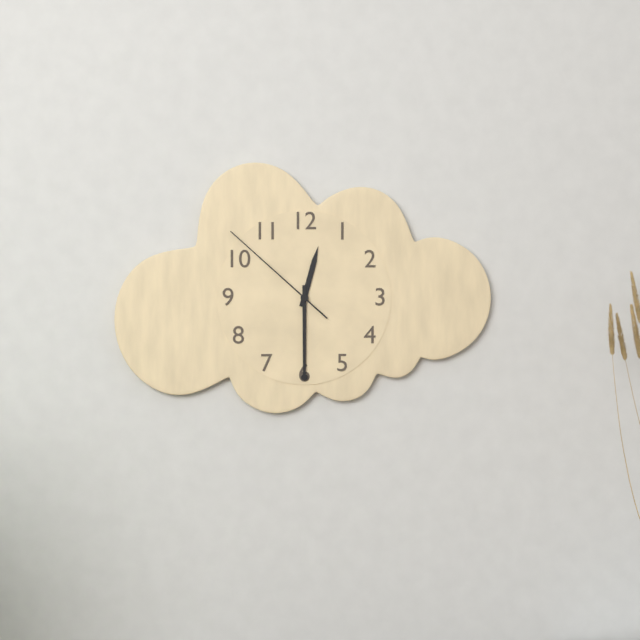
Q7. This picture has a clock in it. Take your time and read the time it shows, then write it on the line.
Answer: 12:30:52
